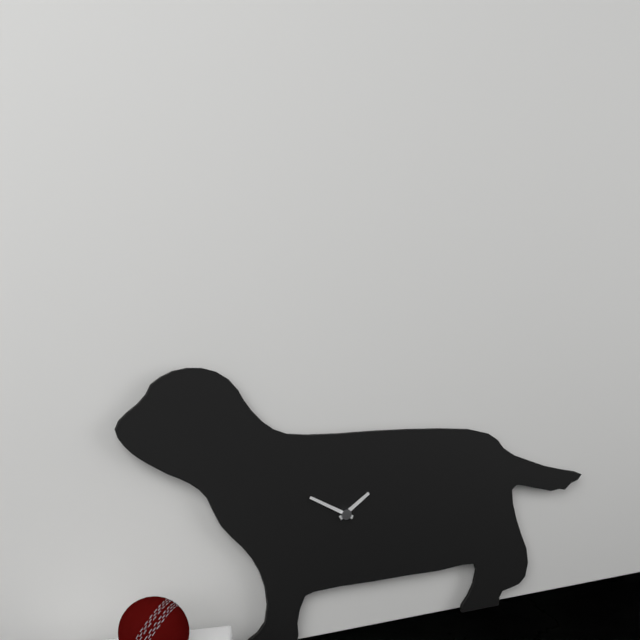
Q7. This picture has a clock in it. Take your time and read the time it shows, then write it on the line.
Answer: 1:50
